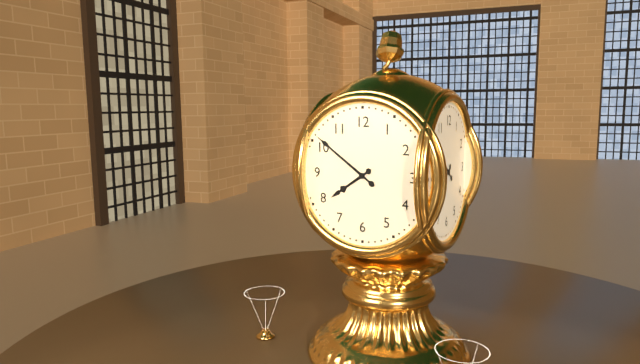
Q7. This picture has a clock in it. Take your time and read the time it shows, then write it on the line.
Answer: 7:51
